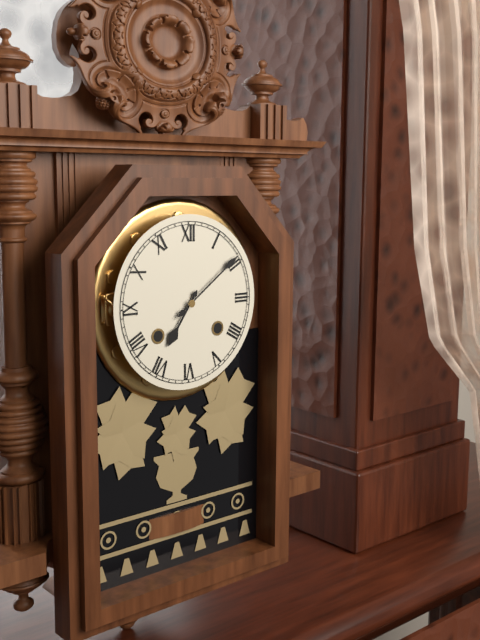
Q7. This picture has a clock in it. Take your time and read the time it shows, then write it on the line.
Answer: 7:09
